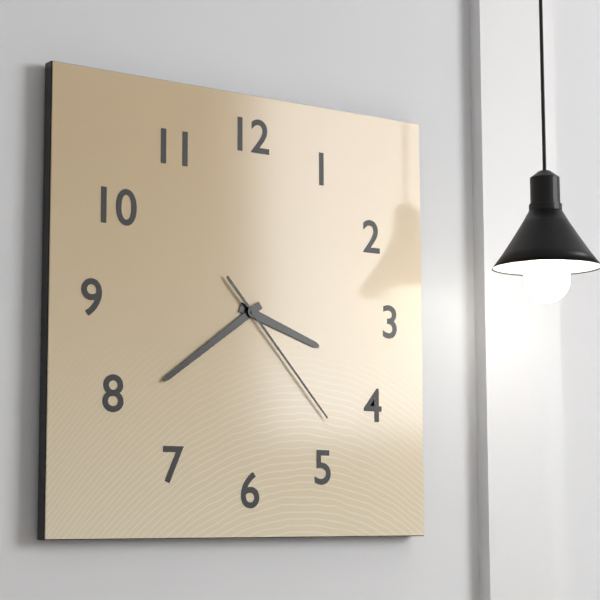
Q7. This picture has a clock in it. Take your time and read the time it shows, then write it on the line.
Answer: 3:39:23
